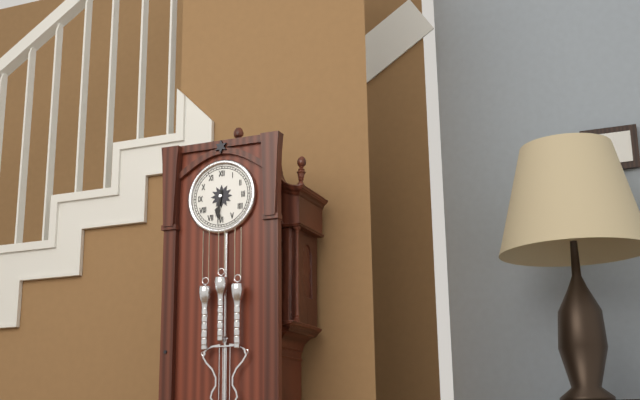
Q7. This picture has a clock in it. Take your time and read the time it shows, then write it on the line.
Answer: 6:31
